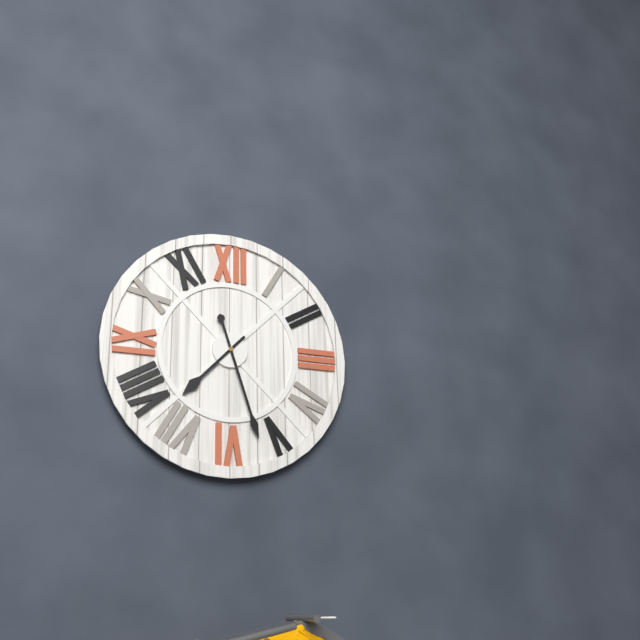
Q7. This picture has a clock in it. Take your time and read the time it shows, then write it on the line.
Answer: 7:27
